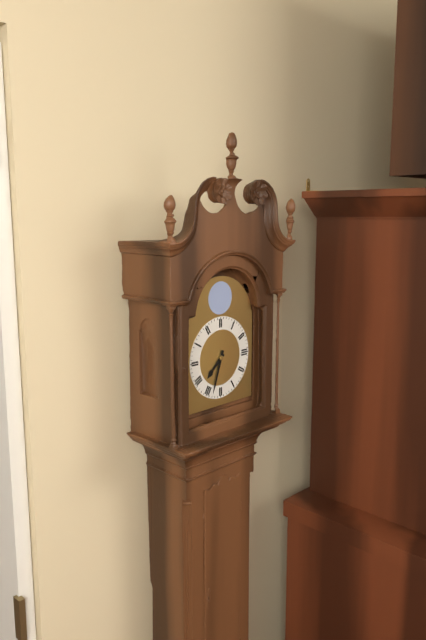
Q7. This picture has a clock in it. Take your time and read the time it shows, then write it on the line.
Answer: 7:33
